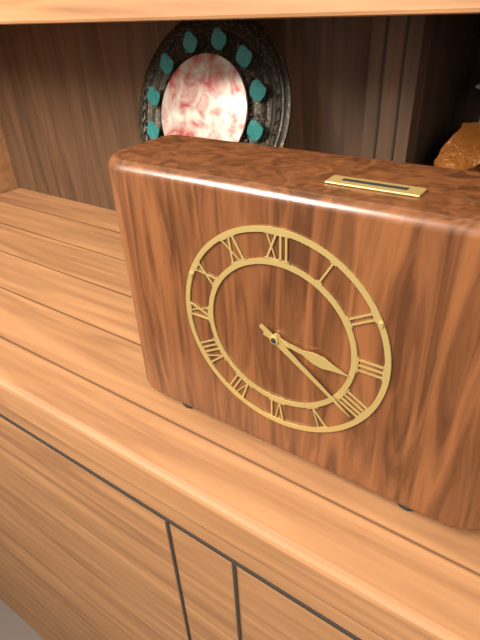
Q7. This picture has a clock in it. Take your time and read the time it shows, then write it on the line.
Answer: 3:21
